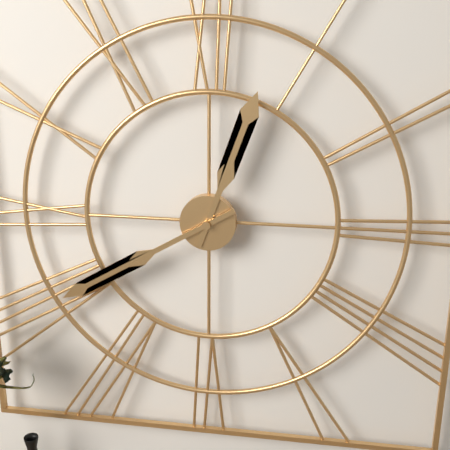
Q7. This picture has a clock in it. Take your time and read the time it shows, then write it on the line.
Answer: 12:40
